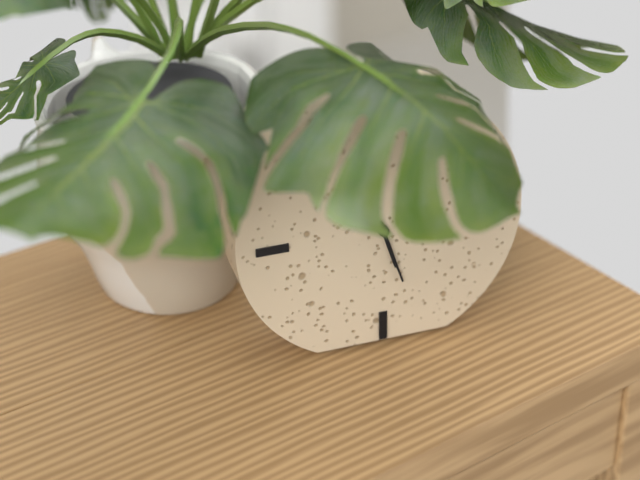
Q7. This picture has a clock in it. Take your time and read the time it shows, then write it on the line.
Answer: 5:27
